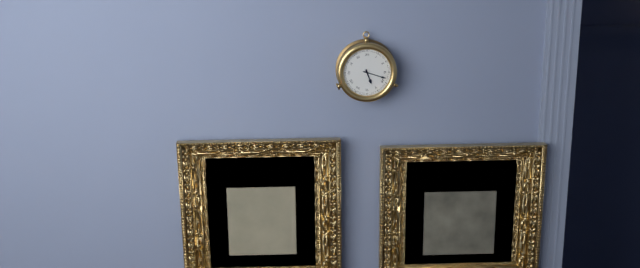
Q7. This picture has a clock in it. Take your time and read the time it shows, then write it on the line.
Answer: 5:18
